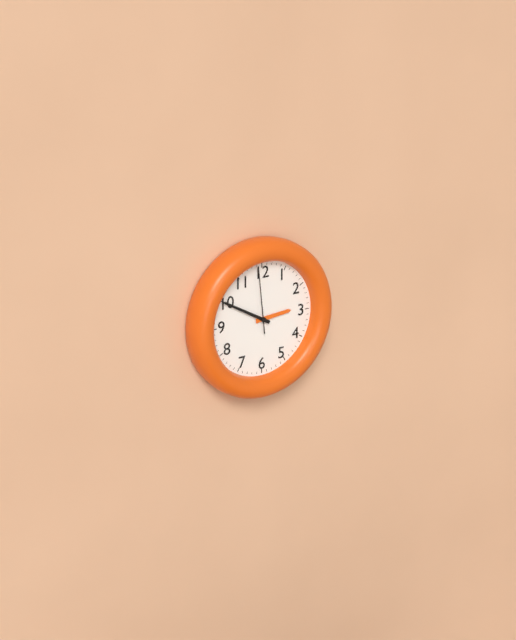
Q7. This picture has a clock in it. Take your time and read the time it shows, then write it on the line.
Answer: 2:50:59
